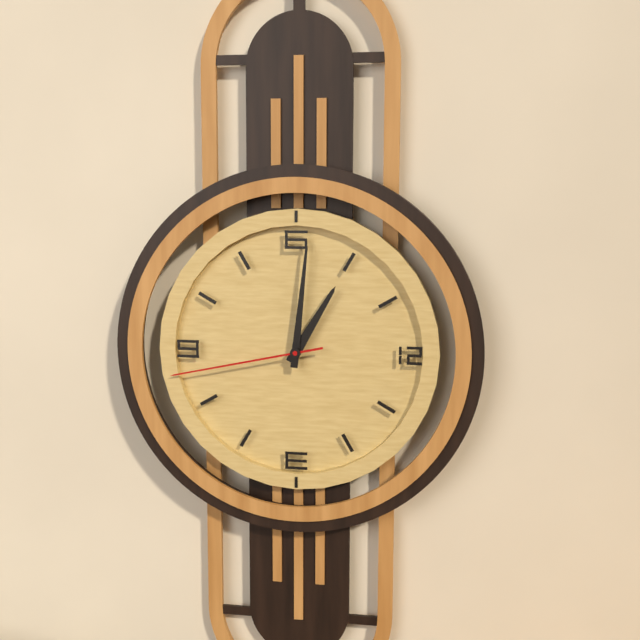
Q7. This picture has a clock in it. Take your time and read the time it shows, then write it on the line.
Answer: 1:01:43
